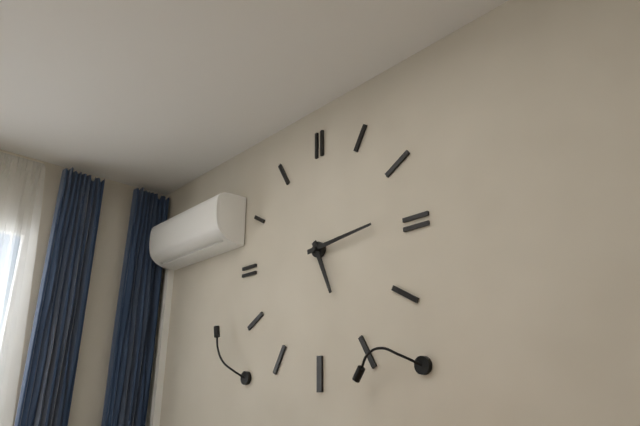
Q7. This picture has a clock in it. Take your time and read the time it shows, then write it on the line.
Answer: 5:14
